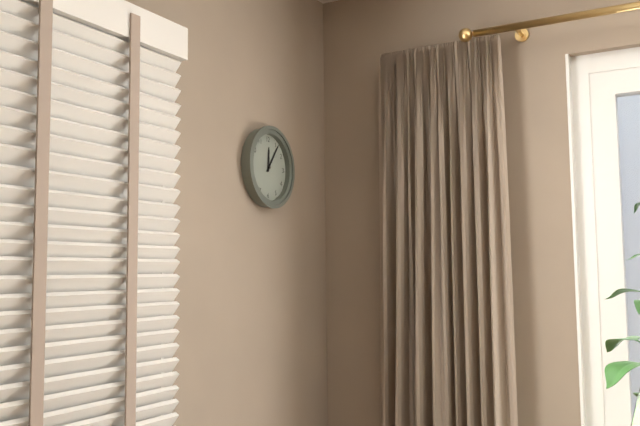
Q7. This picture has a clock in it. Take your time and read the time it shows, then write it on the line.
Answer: 12:06
